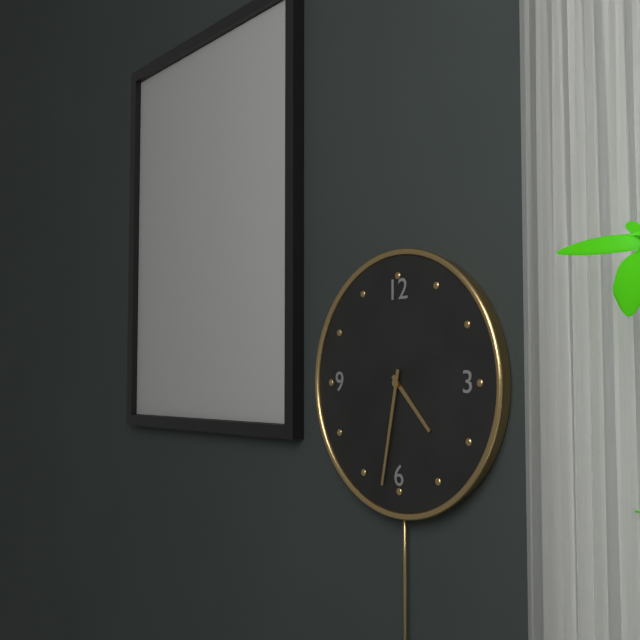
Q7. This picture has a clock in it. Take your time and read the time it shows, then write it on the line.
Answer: 4:32
